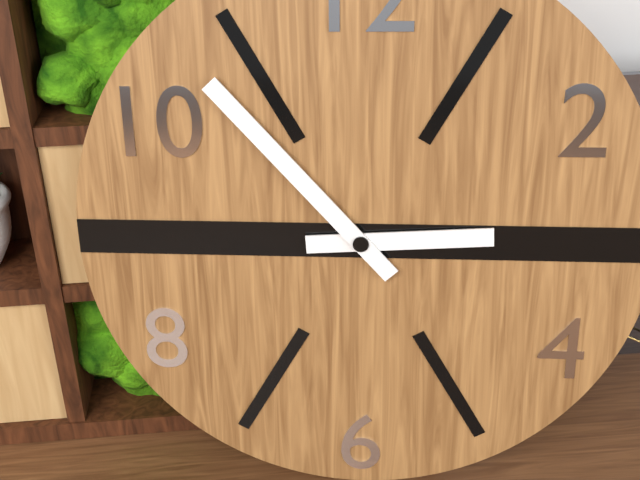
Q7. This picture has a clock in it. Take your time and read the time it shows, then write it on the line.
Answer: 2:53
